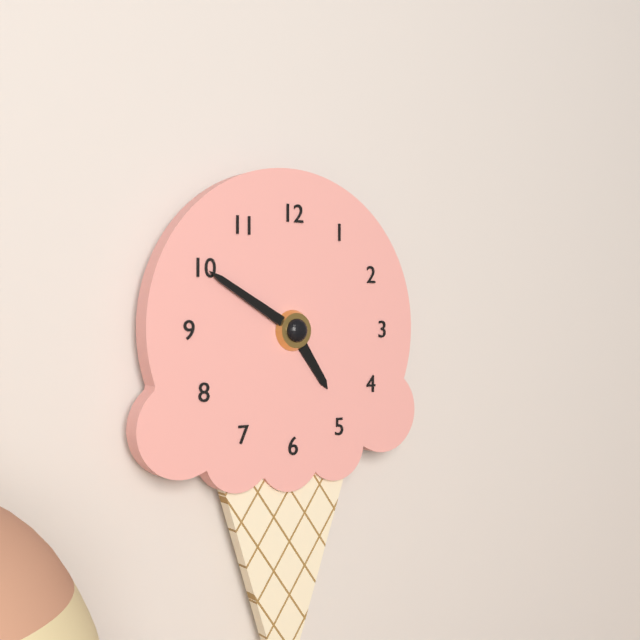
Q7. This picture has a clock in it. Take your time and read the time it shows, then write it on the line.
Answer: 4:50
